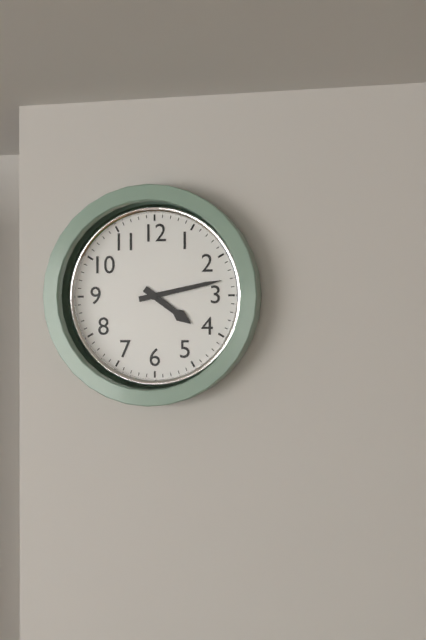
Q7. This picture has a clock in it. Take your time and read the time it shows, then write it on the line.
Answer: 4:13
